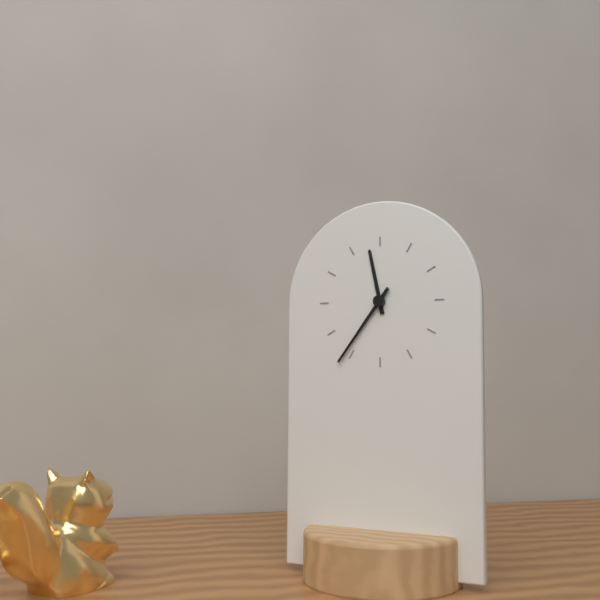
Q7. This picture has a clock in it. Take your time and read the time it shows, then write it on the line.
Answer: 11:36
